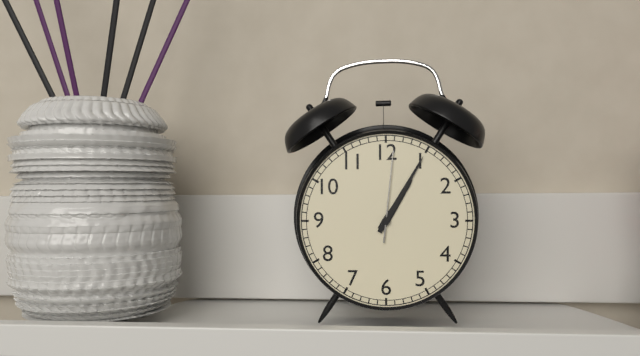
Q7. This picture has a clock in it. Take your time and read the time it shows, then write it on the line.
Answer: 1:05:01
